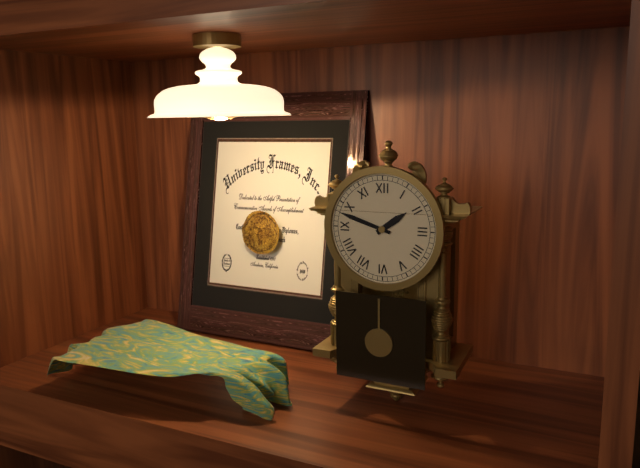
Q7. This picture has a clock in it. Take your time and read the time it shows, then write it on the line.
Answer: 1:48
